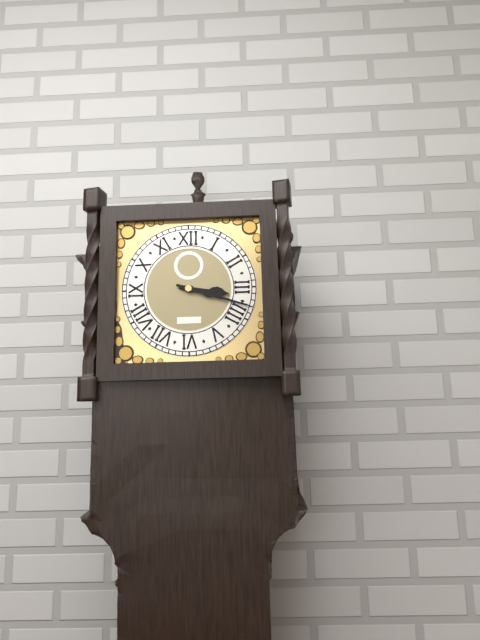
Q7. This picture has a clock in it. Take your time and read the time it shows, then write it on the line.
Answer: 3:18
